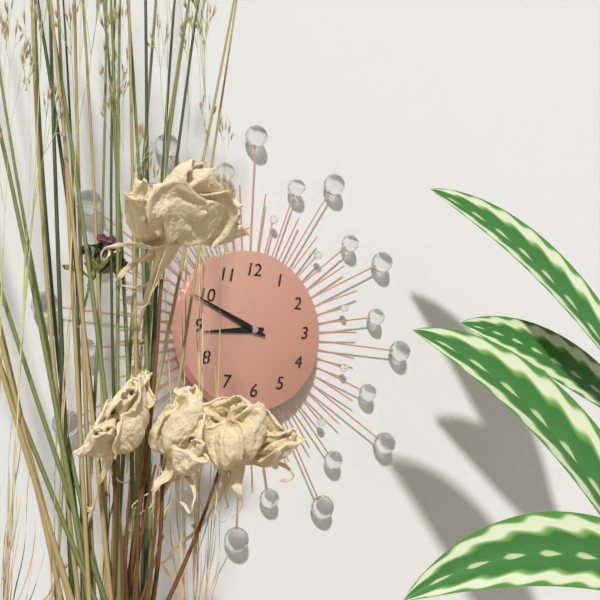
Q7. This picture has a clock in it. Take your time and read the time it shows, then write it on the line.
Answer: 8:49
